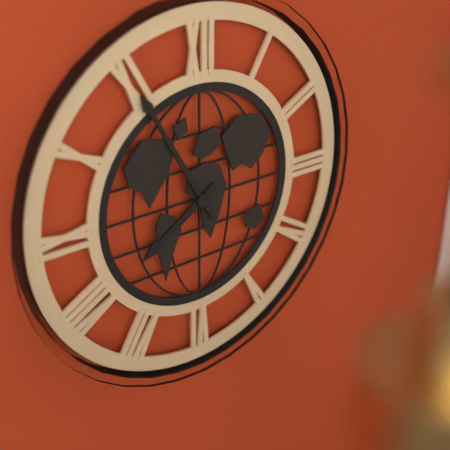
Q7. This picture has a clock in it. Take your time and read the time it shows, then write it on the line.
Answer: 7:55
